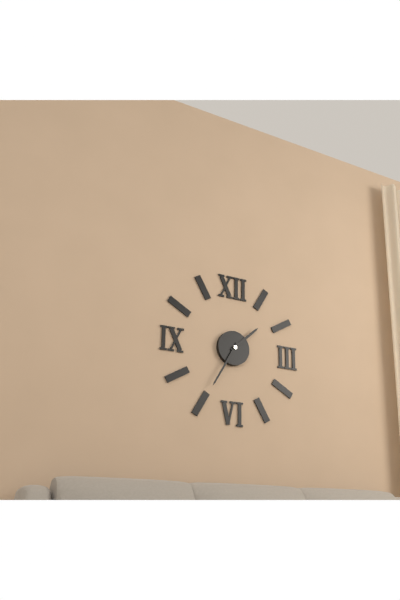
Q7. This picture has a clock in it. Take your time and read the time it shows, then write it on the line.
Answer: 1:35
